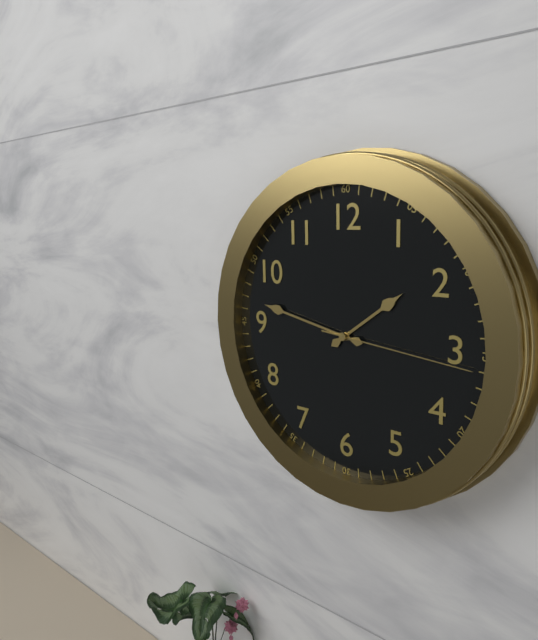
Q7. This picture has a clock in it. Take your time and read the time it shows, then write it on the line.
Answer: 1:47:16
